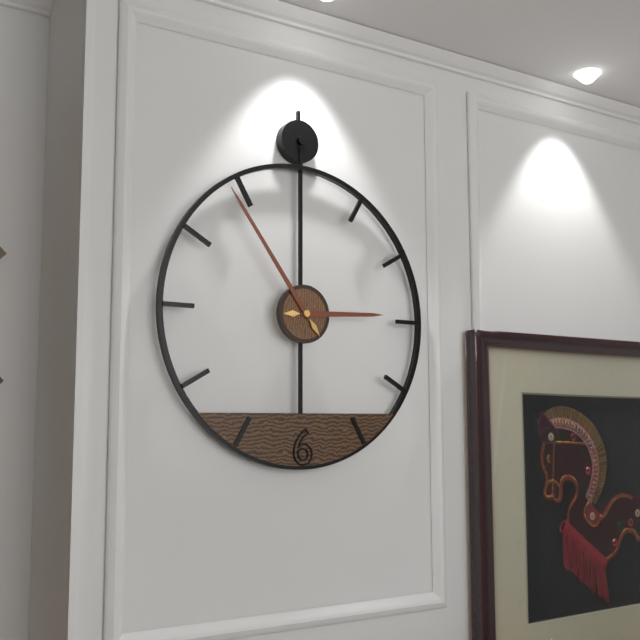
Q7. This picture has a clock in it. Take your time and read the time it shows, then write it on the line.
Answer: 2:54
